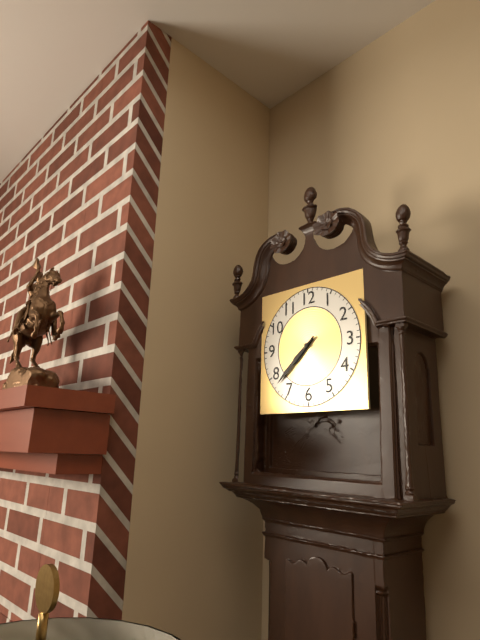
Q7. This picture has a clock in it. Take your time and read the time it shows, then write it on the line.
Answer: 7:38
